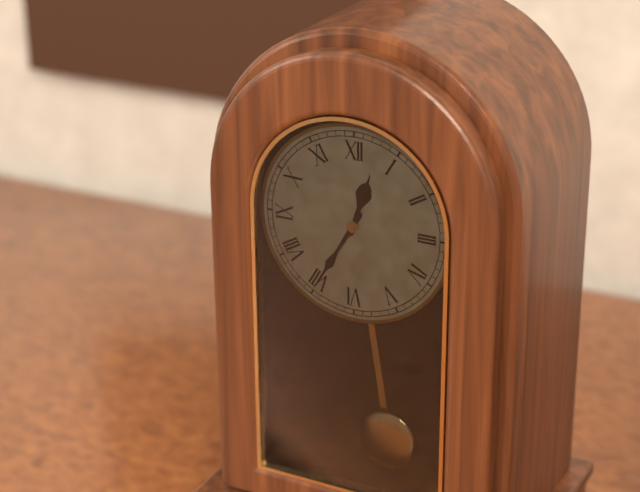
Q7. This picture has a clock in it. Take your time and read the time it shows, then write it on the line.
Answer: 12:35
